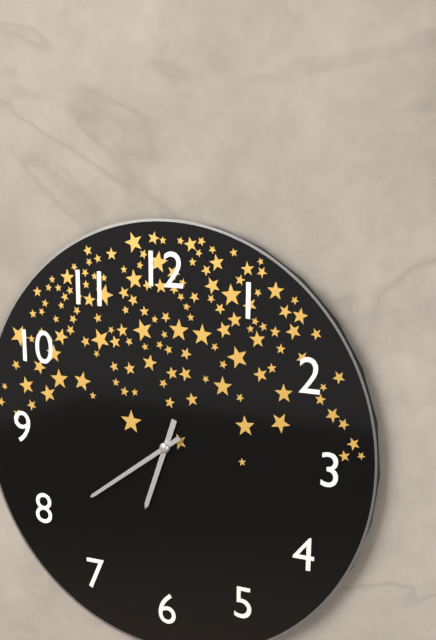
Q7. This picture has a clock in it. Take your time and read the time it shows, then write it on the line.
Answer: 6:39
